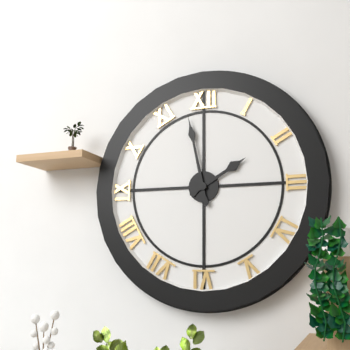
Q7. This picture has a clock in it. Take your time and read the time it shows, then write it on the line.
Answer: 1:58
